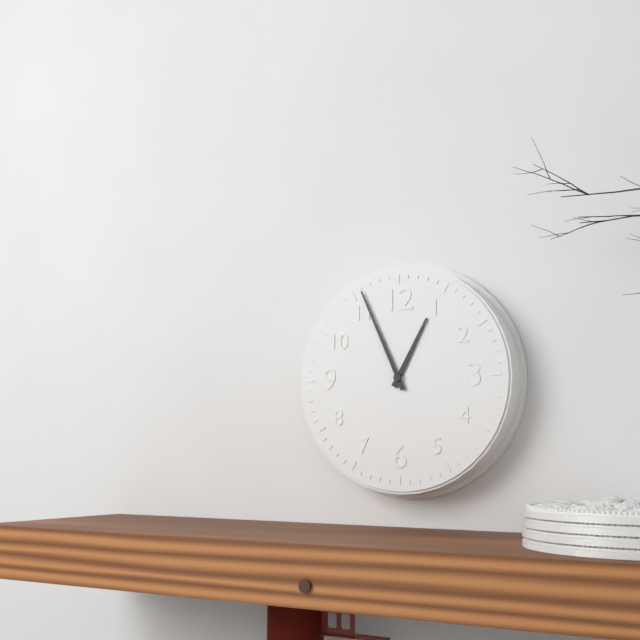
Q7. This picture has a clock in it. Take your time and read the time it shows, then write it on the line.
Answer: 12:56
